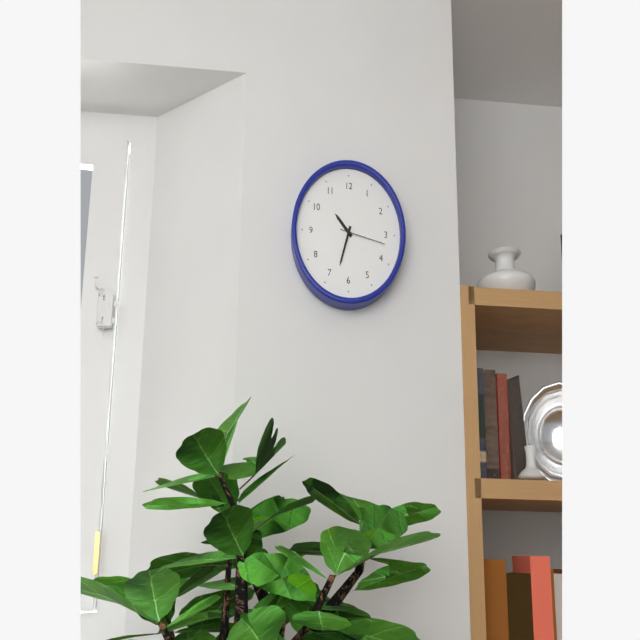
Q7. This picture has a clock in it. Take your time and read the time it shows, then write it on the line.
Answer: 10:33
